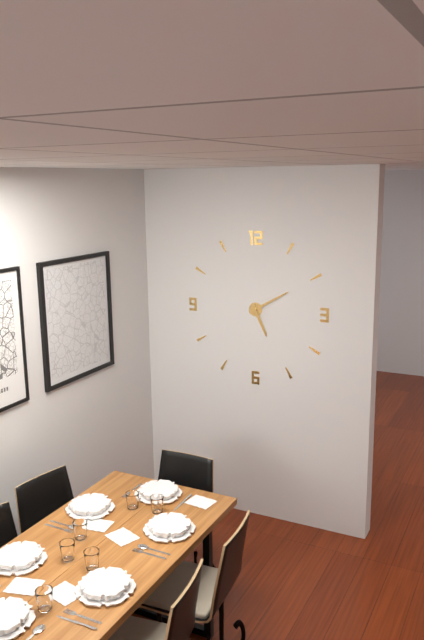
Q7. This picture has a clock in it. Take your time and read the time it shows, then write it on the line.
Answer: 5:10
